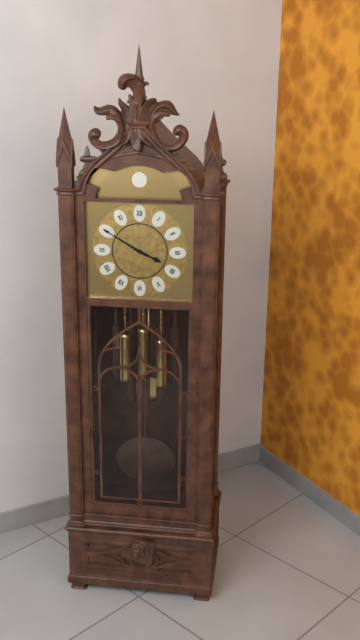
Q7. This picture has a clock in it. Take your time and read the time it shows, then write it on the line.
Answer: 3:50
